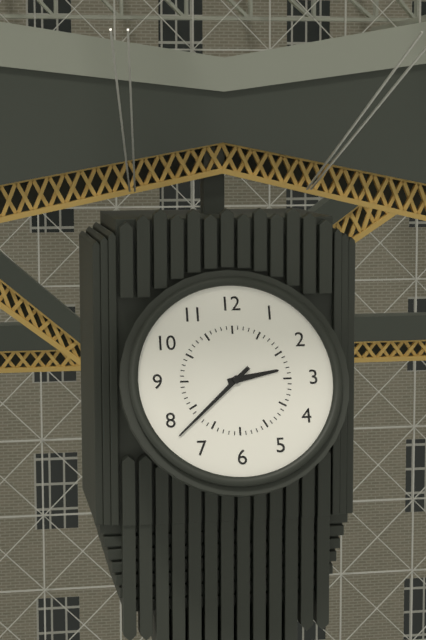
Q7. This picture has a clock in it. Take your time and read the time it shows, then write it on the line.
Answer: 2:38
